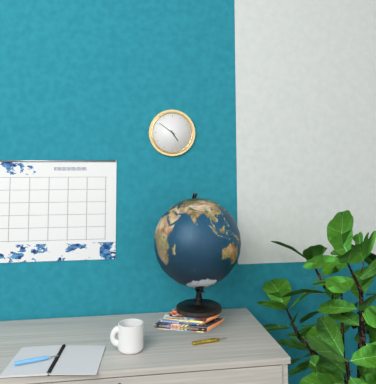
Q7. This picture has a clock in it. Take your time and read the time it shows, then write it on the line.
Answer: 4:51
